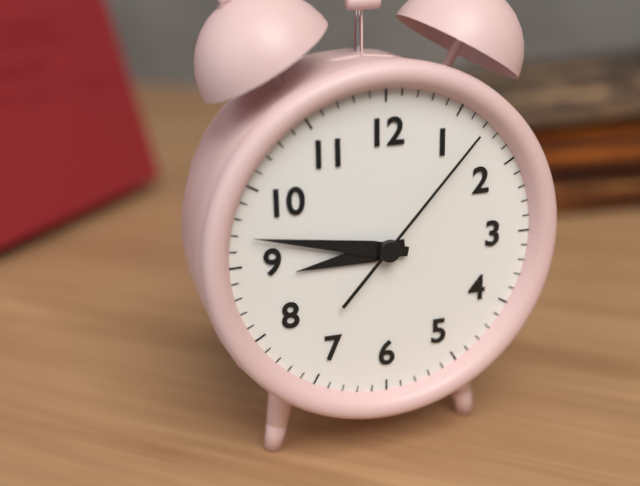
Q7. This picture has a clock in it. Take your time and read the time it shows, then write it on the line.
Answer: 8:47:07
